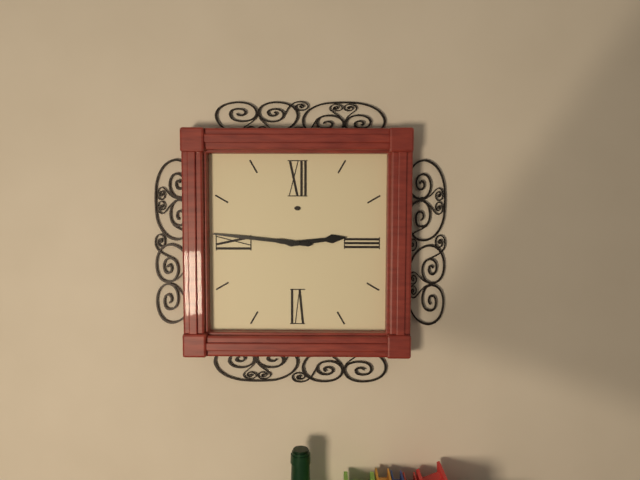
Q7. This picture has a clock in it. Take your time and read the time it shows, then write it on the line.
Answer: 2:46
